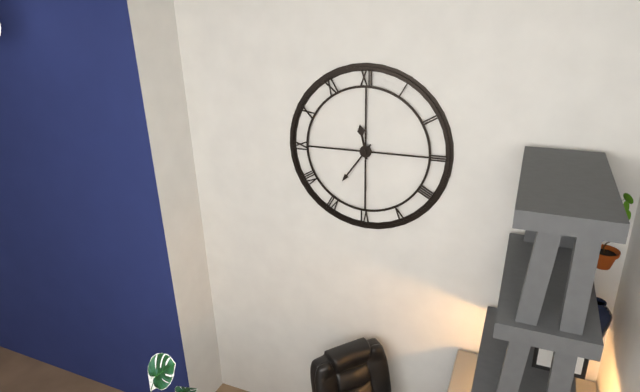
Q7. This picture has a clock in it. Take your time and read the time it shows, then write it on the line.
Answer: 11:36
